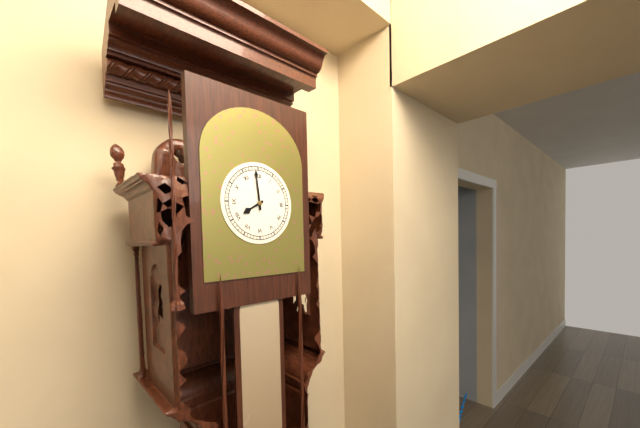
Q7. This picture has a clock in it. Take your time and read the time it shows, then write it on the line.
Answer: 7:59
